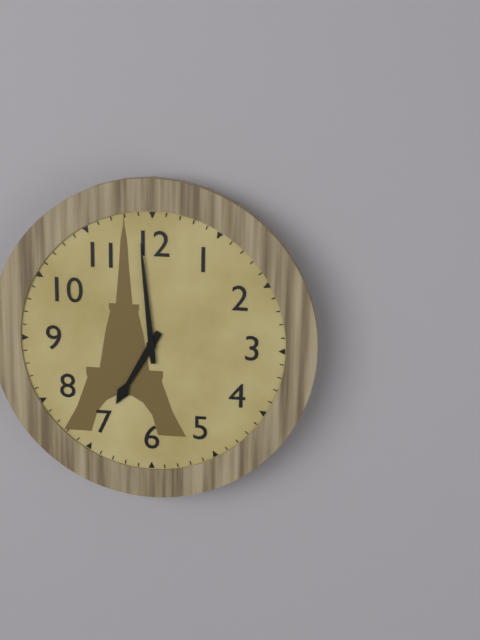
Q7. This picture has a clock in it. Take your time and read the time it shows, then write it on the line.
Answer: 6:59
